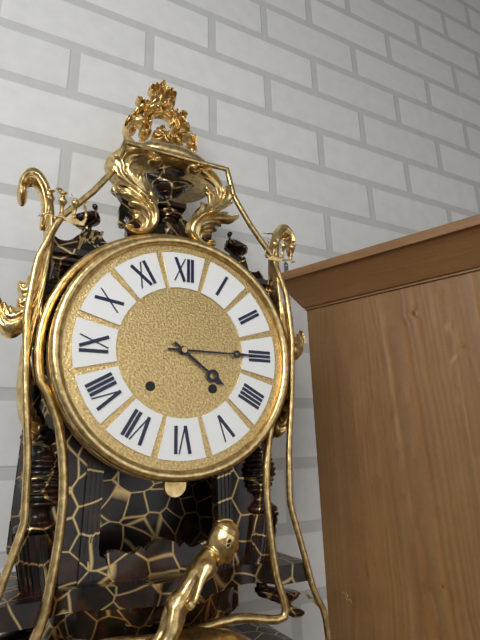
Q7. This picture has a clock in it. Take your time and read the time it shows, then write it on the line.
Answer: 4:15
